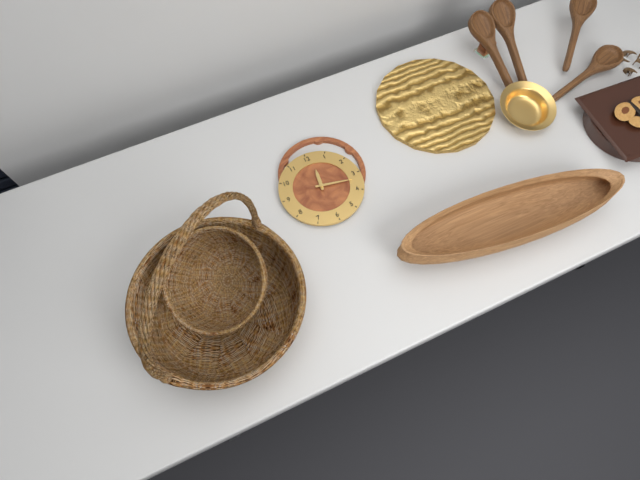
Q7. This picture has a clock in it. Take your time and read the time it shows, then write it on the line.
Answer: 12:17
